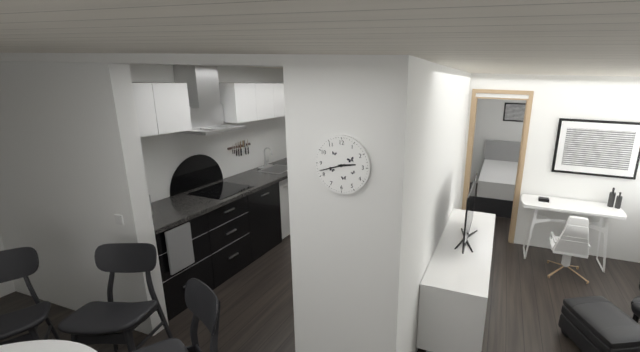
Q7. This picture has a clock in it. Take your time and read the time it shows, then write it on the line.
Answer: 2:42
